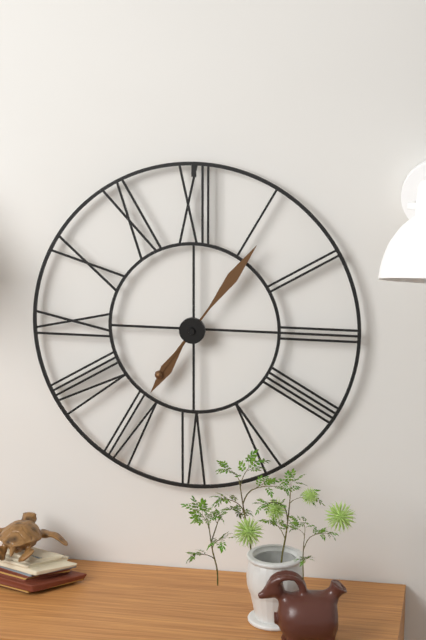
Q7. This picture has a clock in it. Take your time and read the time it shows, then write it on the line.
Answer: 7:06
